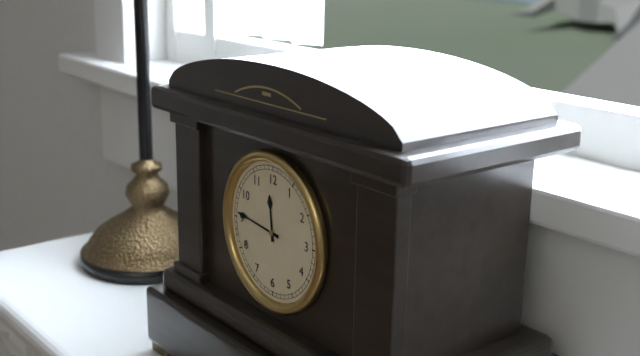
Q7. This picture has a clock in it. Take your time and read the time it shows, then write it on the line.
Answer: 11:46
